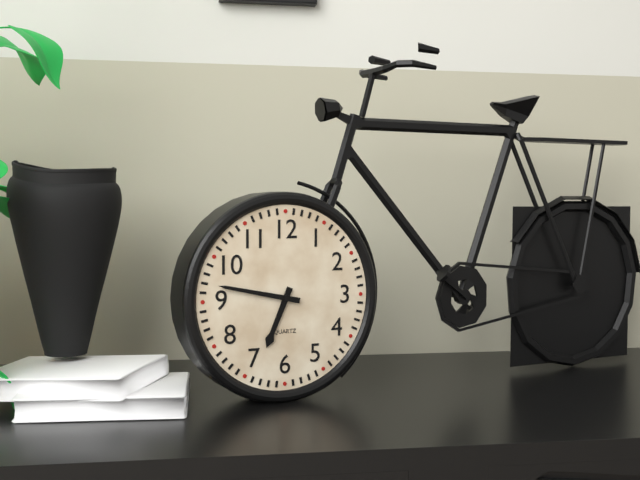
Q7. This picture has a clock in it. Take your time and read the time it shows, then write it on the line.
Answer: 6:47
